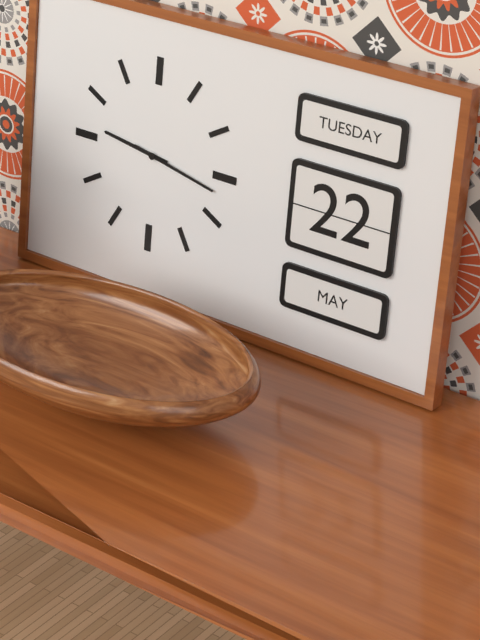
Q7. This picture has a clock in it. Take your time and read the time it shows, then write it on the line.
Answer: 9:17
